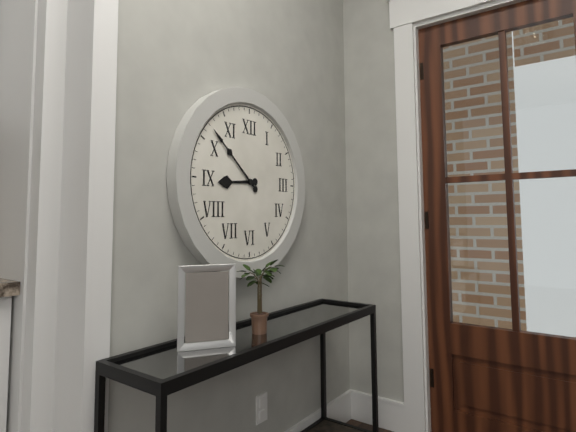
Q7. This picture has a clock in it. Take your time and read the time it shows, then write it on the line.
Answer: 8:52
